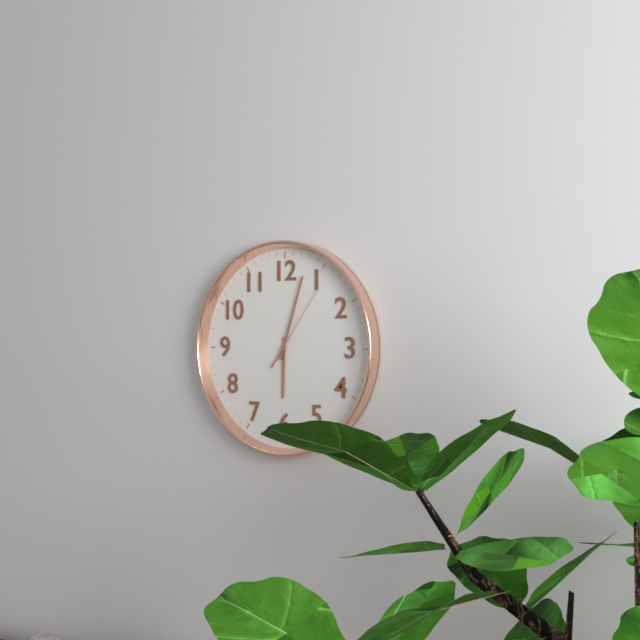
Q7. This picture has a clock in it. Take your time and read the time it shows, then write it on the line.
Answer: 6:03:06
